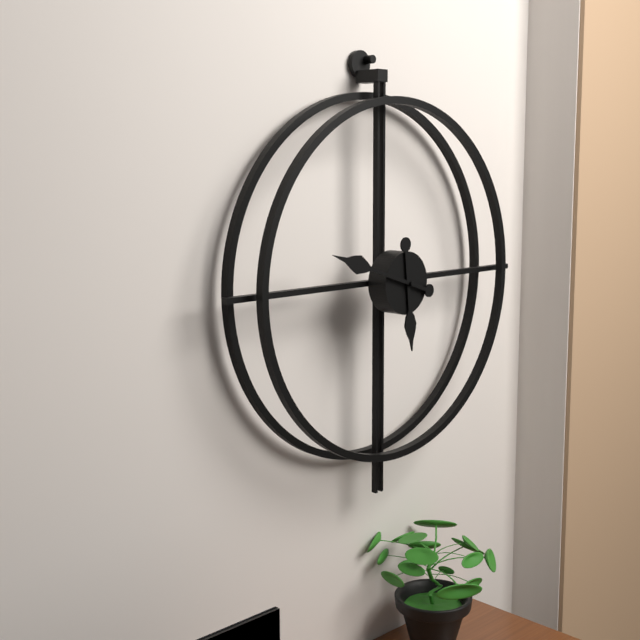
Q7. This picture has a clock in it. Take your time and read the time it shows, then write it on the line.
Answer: 5:48
